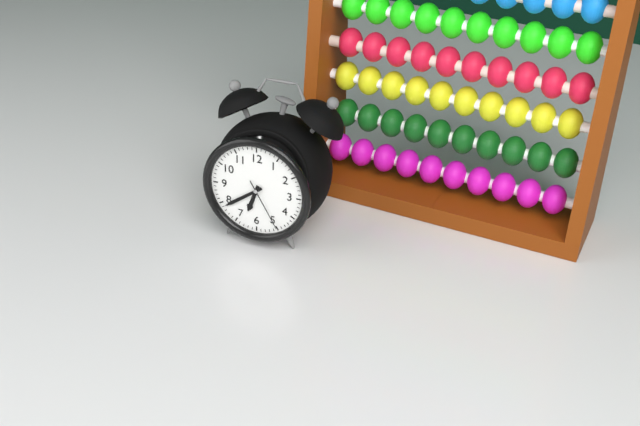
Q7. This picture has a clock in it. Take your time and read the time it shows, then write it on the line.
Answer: 6:39:25
